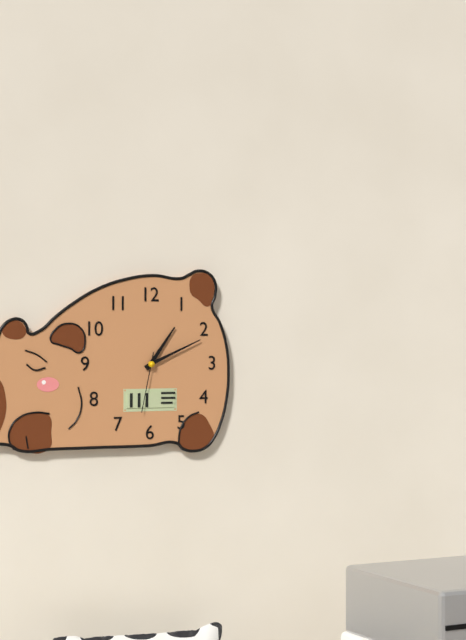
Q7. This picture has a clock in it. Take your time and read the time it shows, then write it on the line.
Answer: 1:11:32
